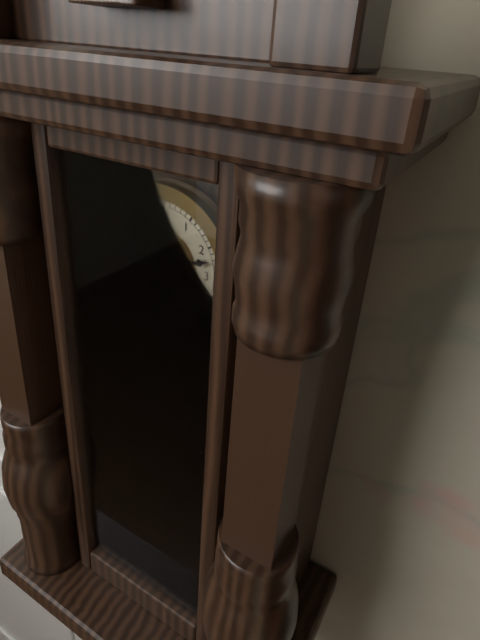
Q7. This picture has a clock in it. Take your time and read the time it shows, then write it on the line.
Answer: 7:12
